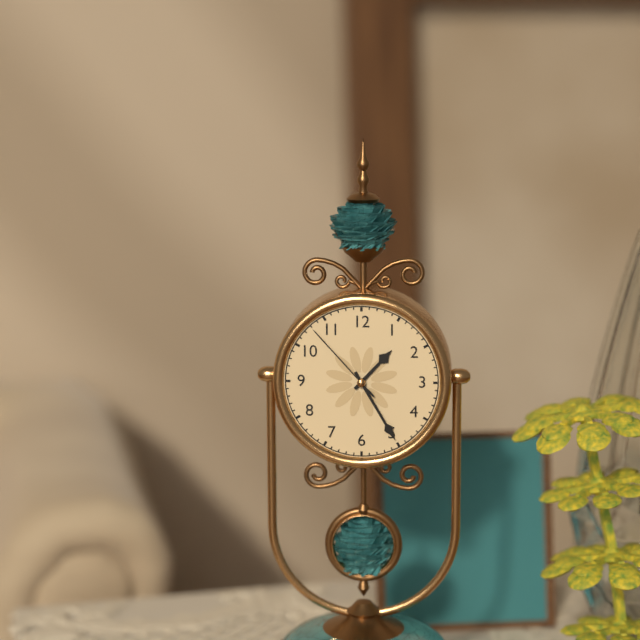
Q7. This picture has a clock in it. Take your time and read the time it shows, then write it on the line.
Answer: 1:25:53
